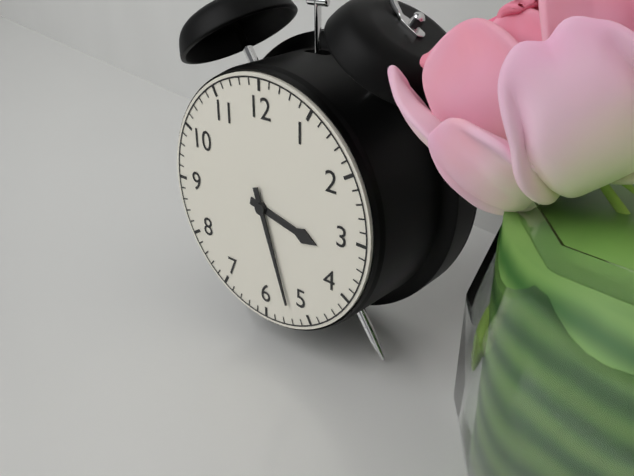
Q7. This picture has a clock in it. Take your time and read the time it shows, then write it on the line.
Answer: 3:27
